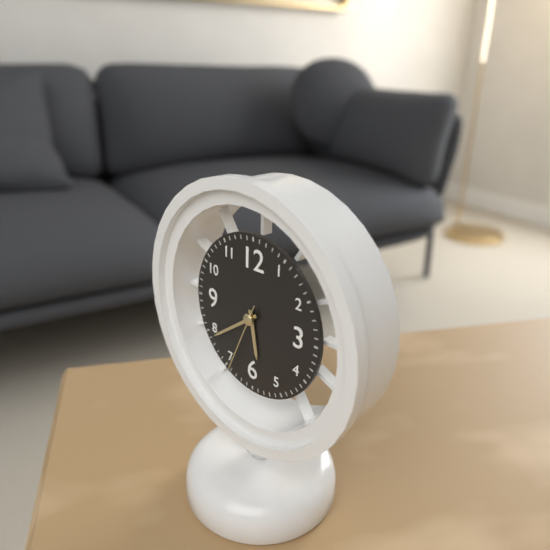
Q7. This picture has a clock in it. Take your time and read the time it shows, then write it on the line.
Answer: 5:39:34
